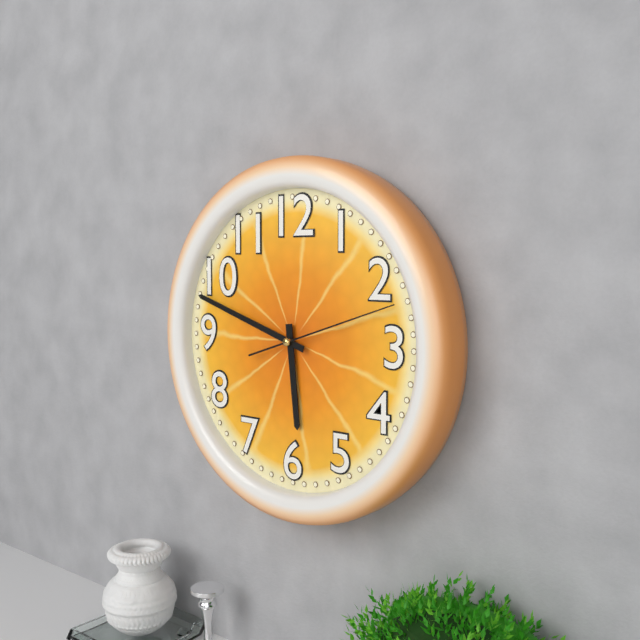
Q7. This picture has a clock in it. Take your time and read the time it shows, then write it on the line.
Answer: 5:48:12
